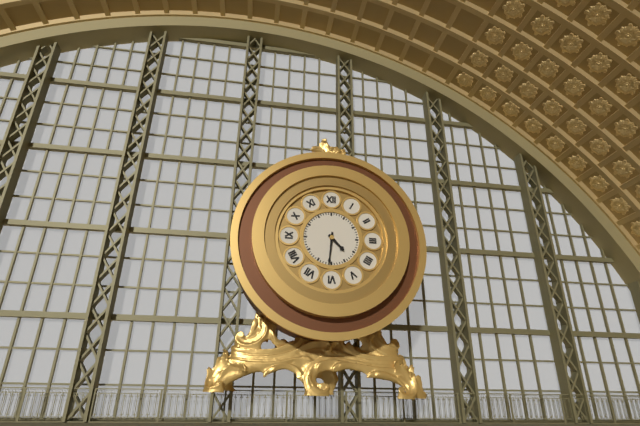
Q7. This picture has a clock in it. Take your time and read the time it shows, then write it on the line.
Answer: 4:31
